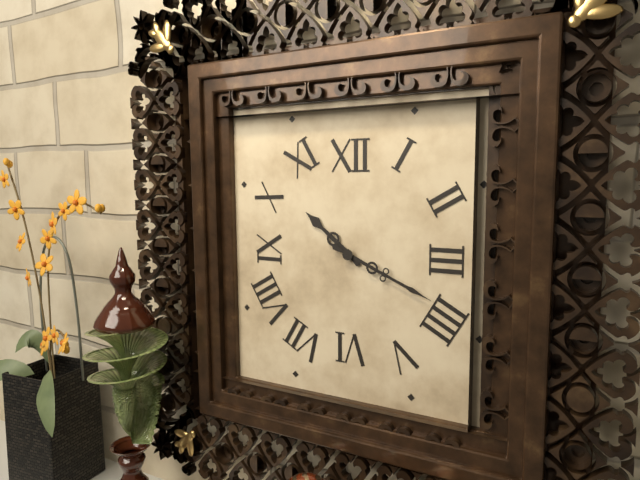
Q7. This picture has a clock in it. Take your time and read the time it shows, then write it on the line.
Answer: 10:19
